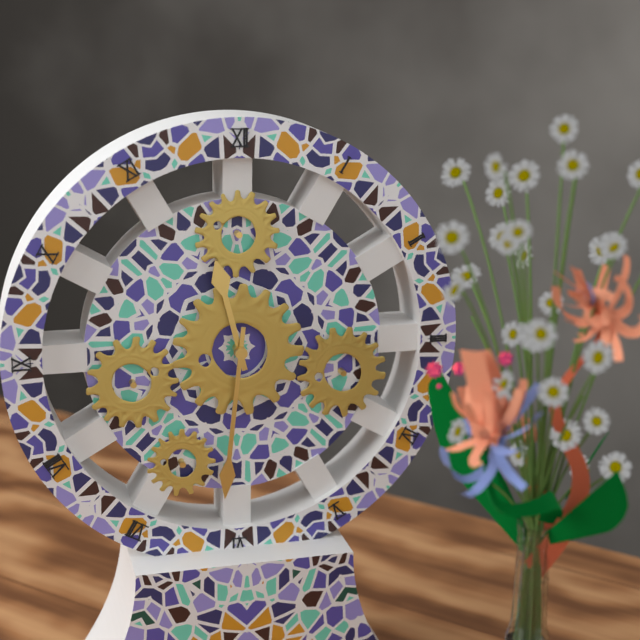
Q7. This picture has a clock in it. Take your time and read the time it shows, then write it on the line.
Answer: 11:31
